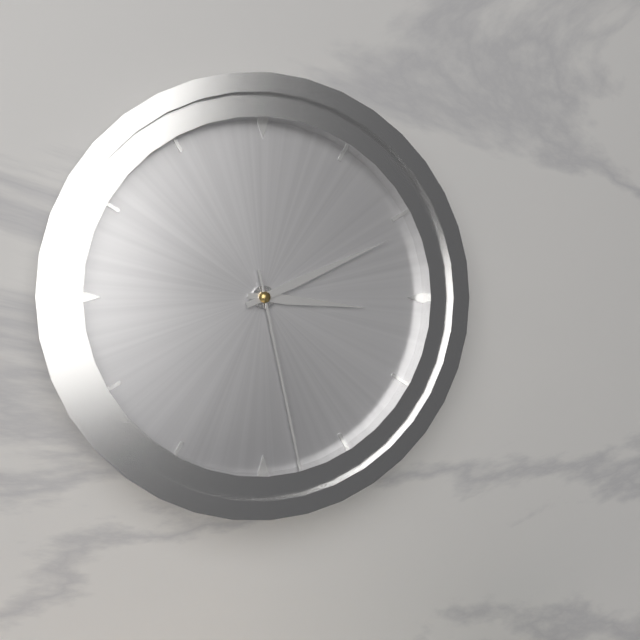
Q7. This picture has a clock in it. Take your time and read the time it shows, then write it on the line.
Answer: 3:11:28
